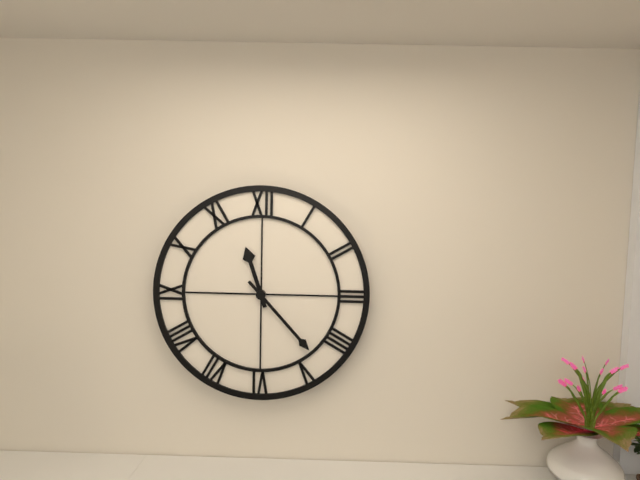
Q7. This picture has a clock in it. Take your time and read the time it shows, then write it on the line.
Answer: 11:23
